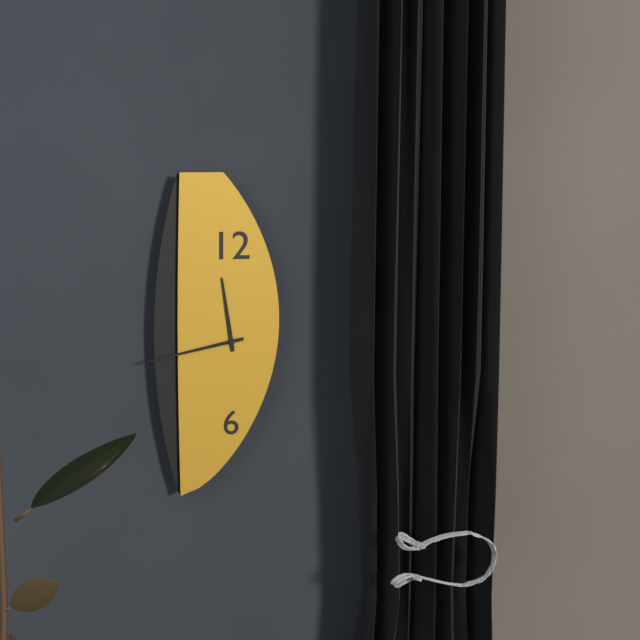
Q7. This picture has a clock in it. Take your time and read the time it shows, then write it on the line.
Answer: 11:43
